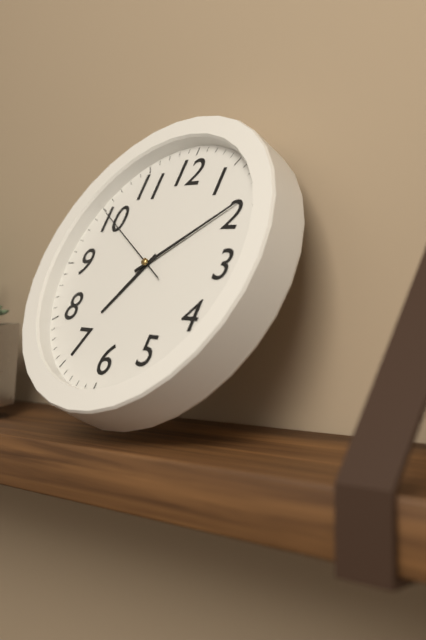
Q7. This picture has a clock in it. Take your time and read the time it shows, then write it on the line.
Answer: 7:09:50
